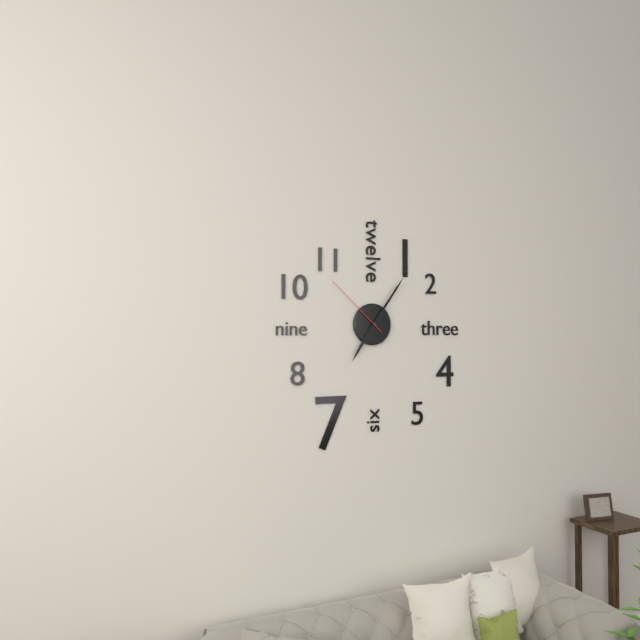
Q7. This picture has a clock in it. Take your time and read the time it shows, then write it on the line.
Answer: 7:06:52
